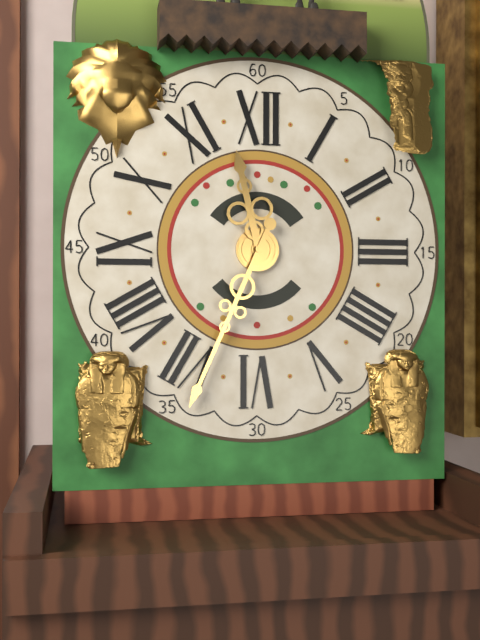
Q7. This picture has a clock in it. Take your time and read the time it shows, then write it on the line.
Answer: 11:34
